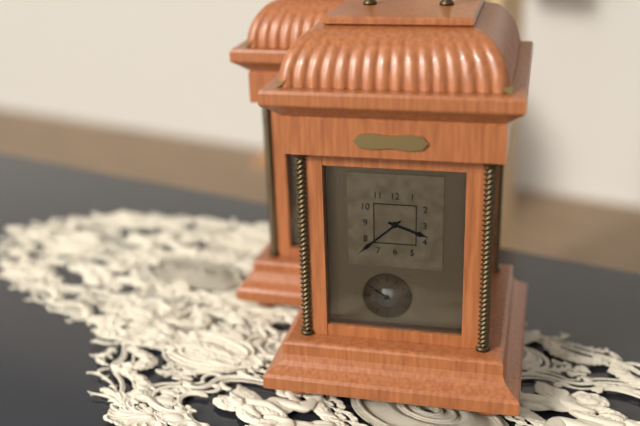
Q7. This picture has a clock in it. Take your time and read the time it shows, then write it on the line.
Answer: 3:38
